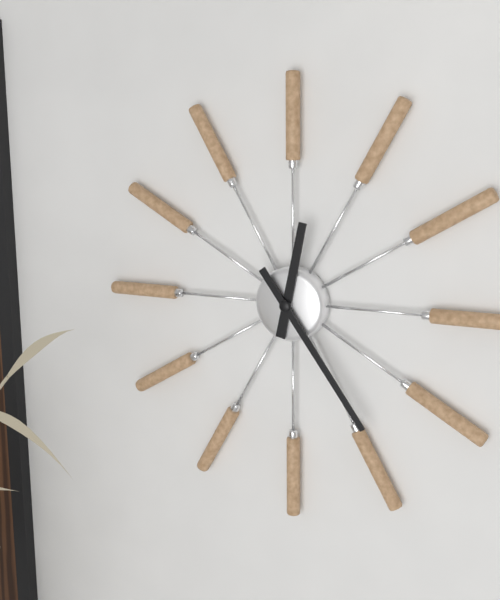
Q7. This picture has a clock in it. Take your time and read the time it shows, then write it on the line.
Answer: 12:24
